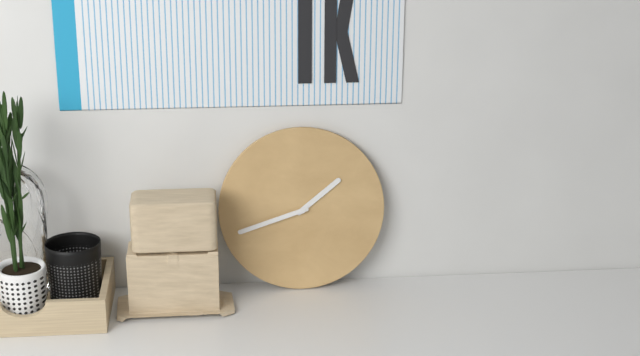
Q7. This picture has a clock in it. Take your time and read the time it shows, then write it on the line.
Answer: 1:42
